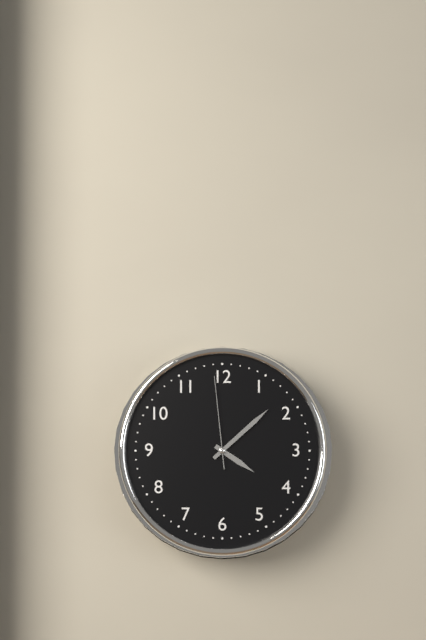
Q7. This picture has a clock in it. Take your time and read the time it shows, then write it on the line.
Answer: 4:08:59
